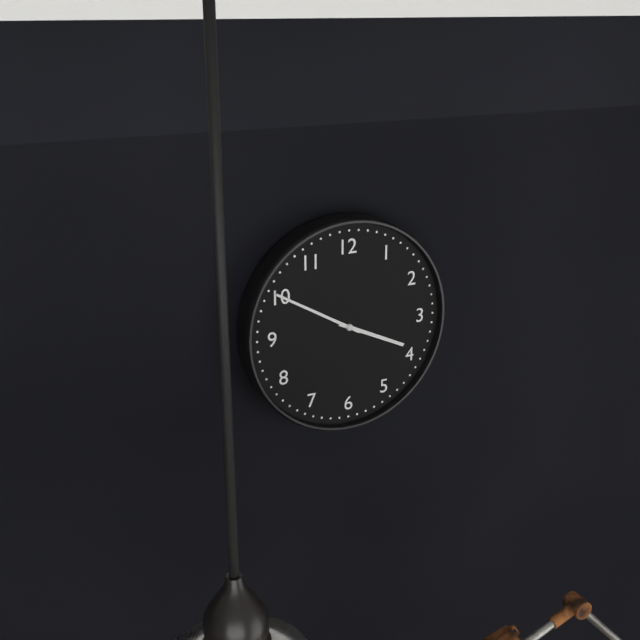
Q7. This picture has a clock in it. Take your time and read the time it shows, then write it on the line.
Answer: 3:50
